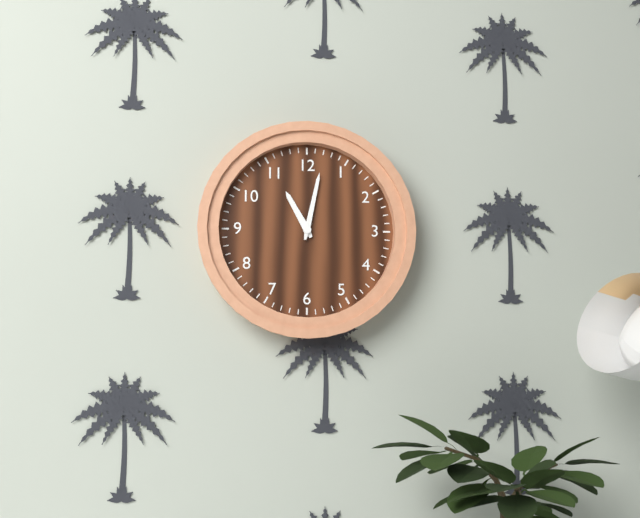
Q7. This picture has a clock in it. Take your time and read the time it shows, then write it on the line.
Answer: 11:02
